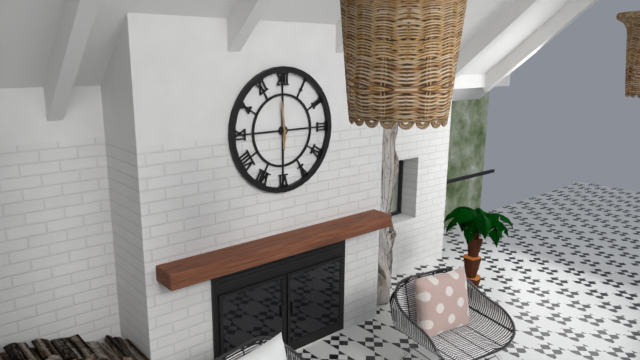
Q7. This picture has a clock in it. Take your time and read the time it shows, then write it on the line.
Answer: 5:59
